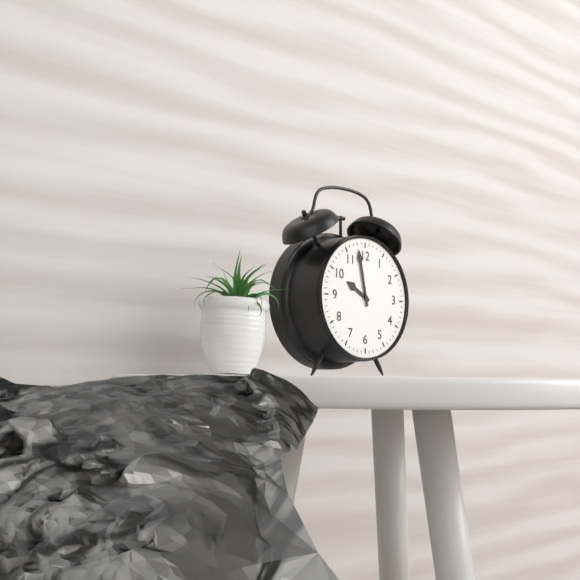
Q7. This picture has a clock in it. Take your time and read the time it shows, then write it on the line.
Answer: 9:58
